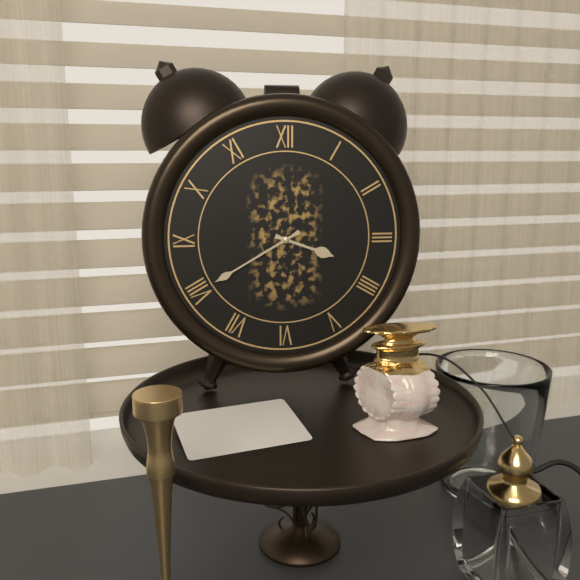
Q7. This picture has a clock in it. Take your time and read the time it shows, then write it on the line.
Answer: 3:40
